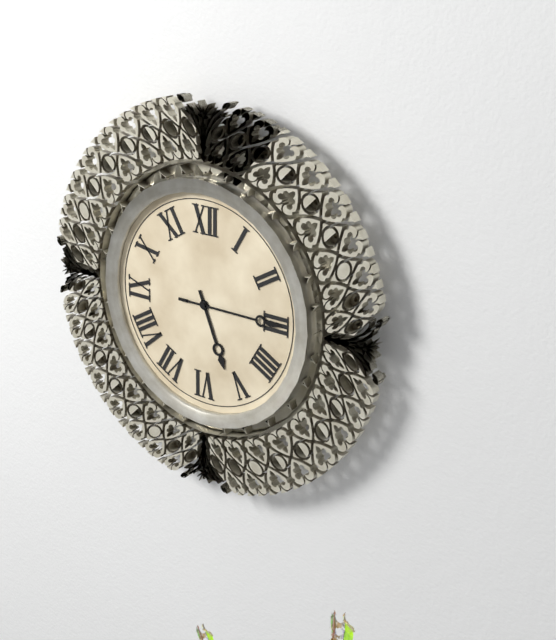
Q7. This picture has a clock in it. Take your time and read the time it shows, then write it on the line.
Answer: 5:15
